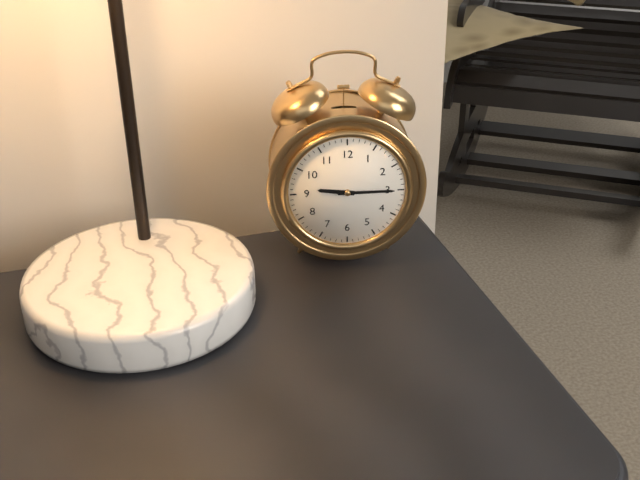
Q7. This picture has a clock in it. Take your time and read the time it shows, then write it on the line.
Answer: 9:15
